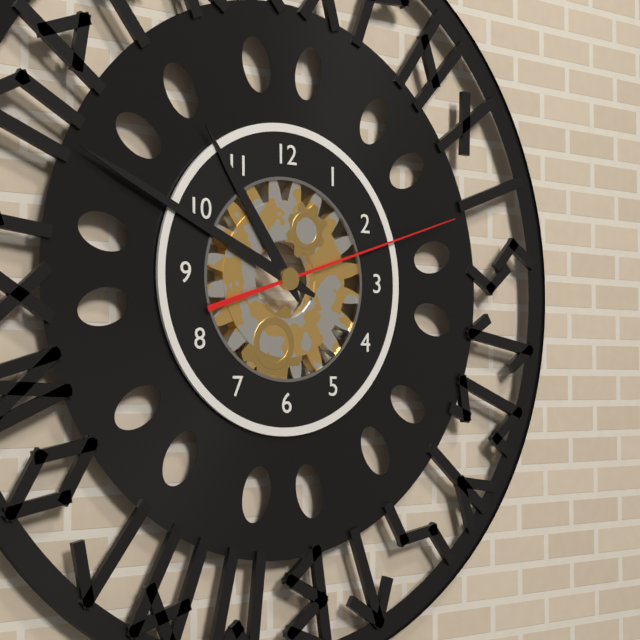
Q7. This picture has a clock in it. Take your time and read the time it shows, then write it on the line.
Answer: 10:49:12
